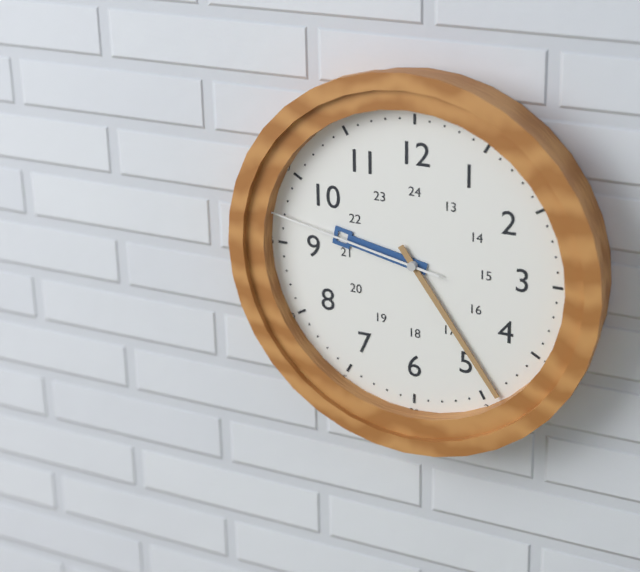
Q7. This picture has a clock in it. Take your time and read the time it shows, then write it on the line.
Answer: 9:24:47
